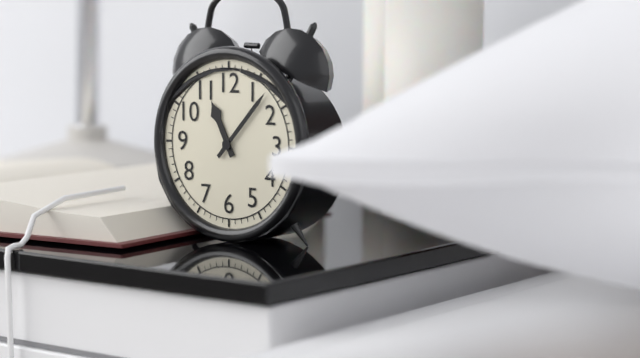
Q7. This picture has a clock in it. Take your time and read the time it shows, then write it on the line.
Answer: 11:07
